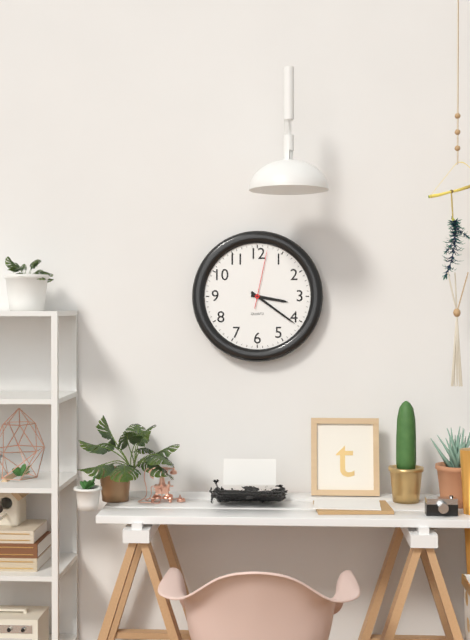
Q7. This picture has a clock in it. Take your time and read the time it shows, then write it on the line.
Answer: 3:21:02
